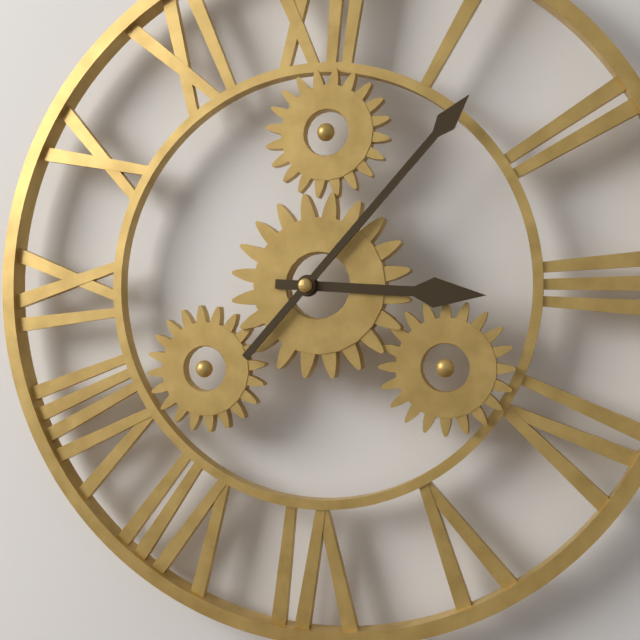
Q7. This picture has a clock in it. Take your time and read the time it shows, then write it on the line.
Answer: 3:07
